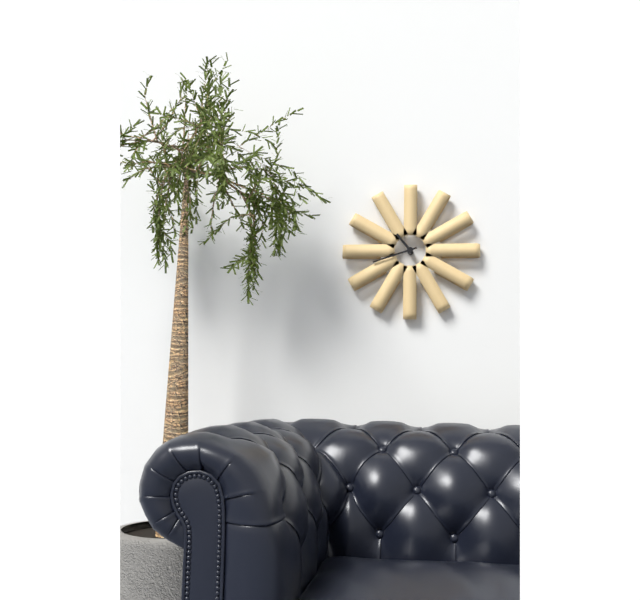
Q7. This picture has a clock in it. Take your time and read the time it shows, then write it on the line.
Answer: 10:42
